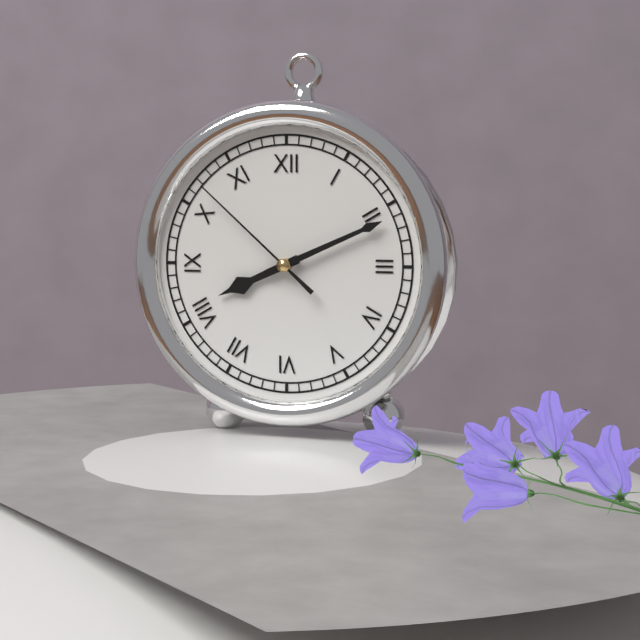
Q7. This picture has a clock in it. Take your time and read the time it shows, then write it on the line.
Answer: 8:11:52
